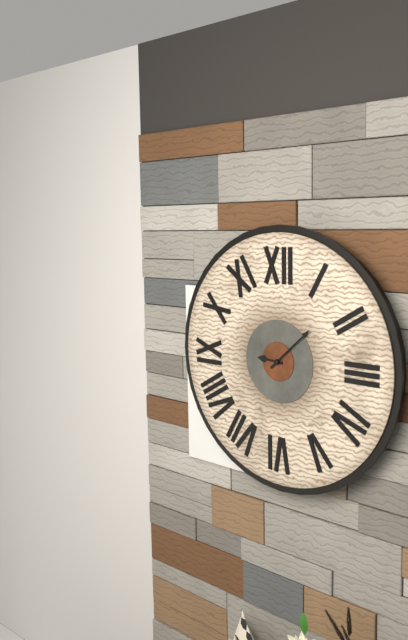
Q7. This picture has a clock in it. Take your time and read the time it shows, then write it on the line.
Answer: 9:08
